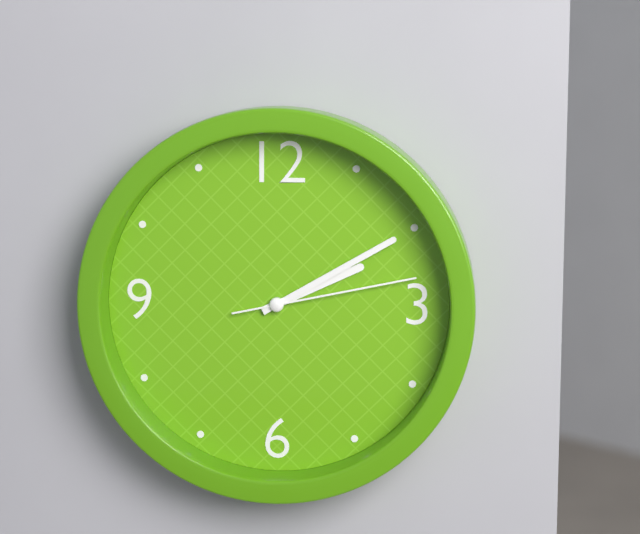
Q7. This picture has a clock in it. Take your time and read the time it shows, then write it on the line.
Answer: 2:10:13
